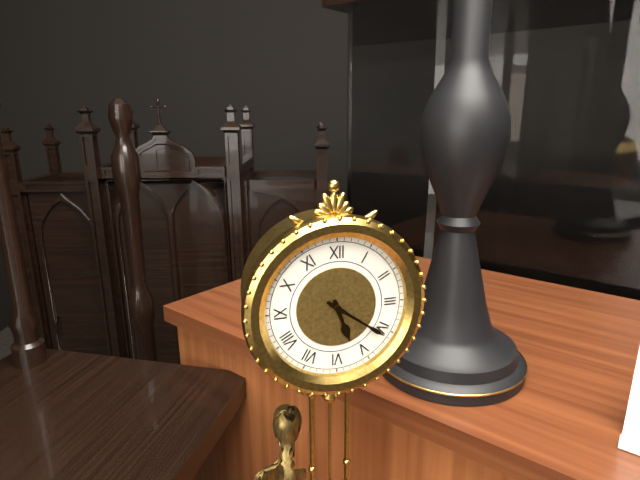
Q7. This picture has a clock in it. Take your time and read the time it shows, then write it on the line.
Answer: 5:21
